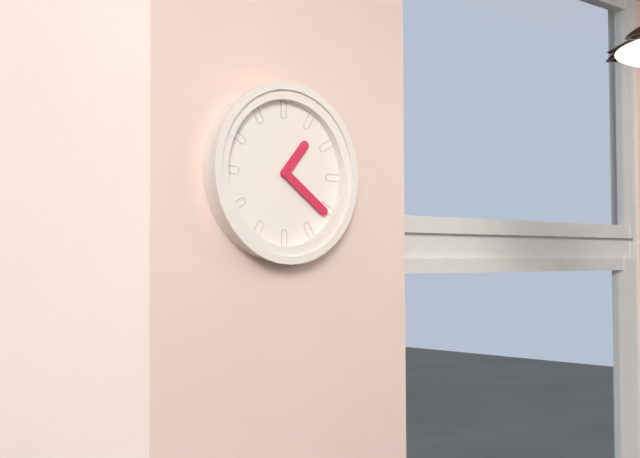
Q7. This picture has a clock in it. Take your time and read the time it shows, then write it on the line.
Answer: 1:21
